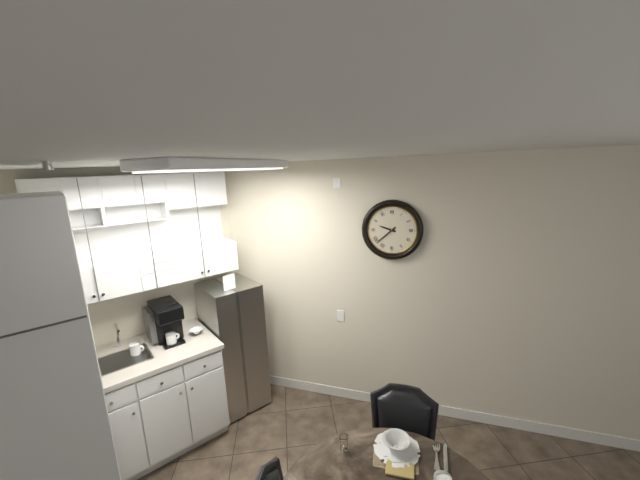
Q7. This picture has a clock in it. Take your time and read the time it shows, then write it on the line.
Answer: 9:38
